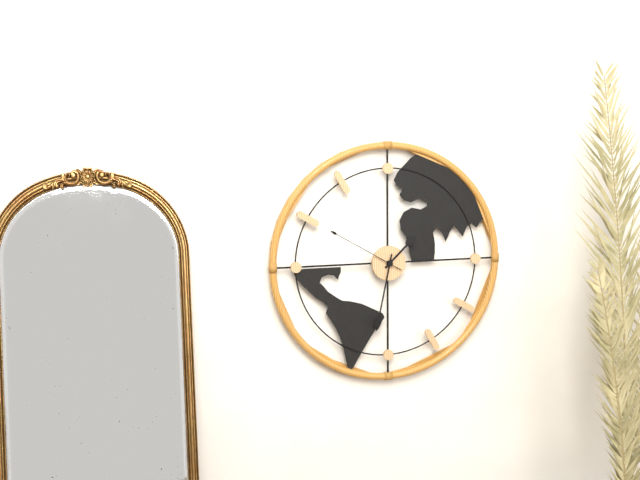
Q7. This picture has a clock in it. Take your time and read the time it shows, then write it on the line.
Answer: 1:32:50
